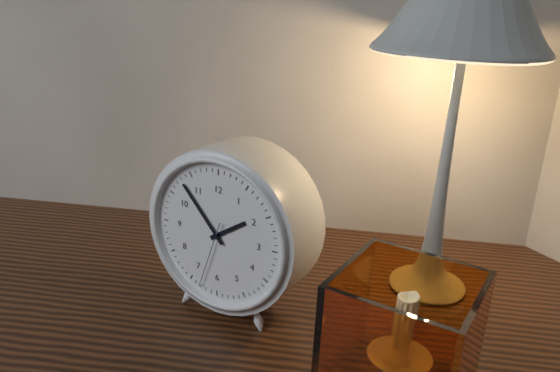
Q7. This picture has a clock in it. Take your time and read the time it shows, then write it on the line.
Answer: 1:53:33
